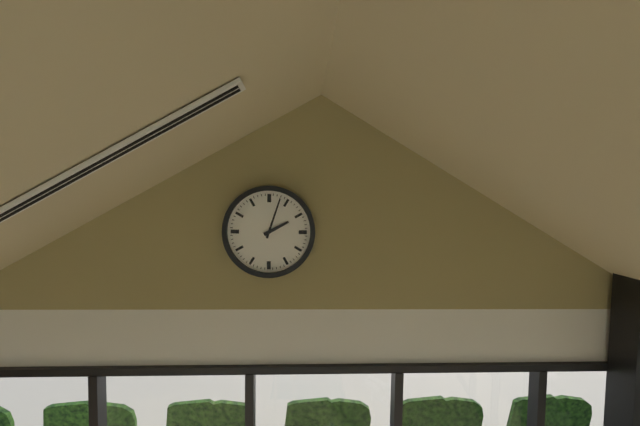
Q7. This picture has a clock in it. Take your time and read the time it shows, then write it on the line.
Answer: 2:03
